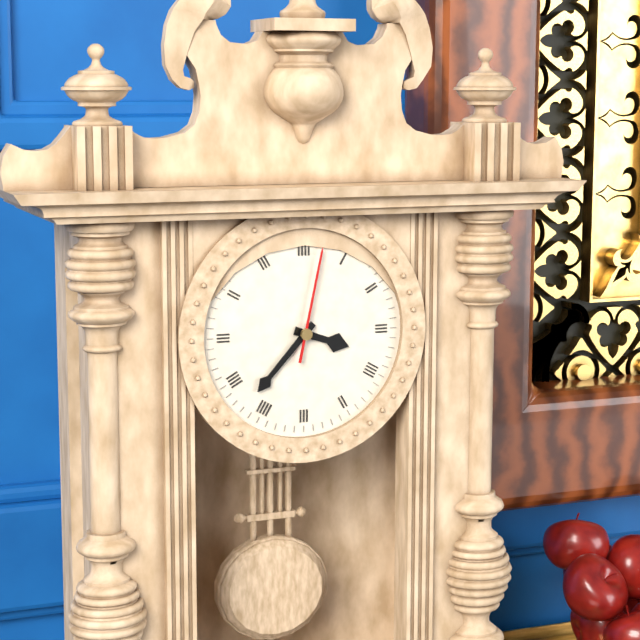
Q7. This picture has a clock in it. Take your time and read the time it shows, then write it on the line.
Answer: 3:37:02
